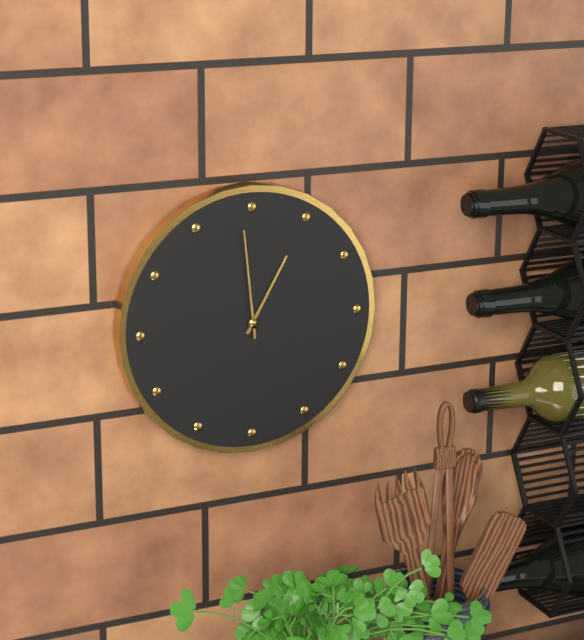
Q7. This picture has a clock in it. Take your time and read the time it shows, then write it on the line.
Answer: 12:59
